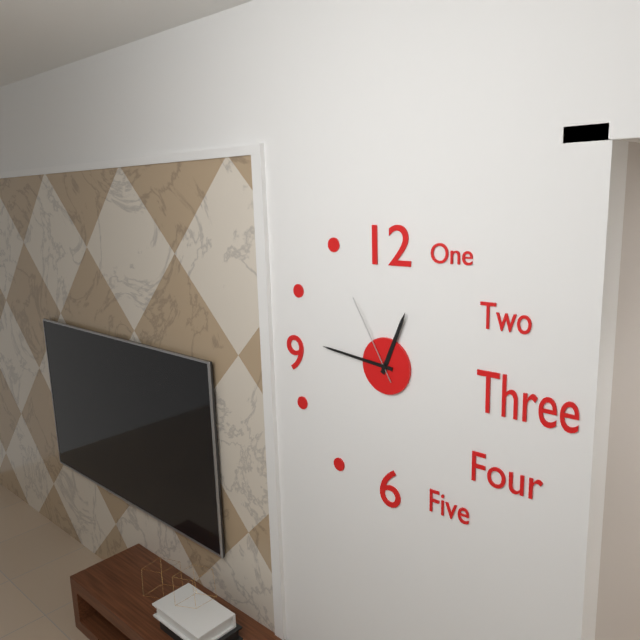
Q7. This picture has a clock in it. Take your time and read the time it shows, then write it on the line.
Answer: 12:46:55
